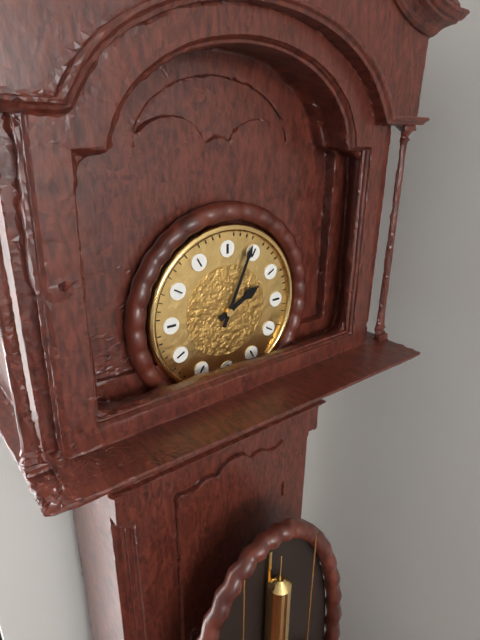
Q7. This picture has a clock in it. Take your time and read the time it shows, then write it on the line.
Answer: 2:04
